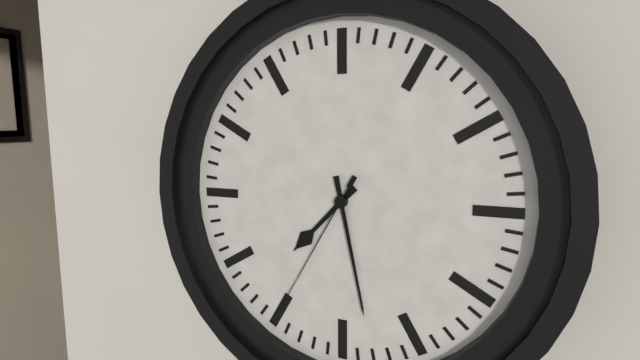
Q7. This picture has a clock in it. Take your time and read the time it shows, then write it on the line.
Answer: 7:28:35
